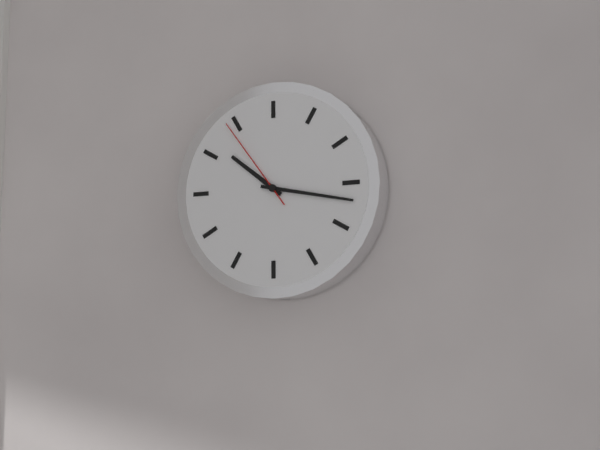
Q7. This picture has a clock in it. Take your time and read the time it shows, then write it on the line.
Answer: 10:17:54
